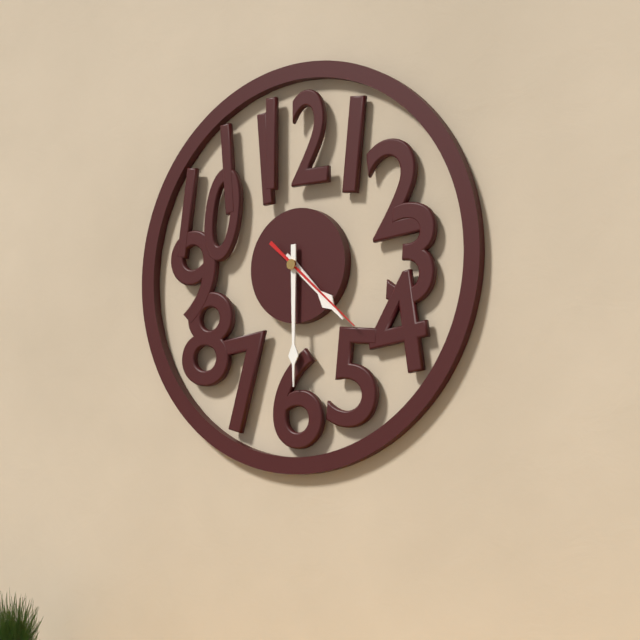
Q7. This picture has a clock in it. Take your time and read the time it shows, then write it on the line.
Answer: 4:30:22
